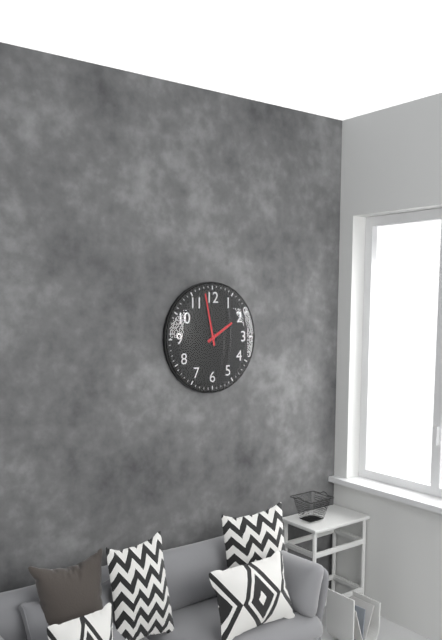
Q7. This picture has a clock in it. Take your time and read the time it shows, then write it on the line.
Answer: 1:58
